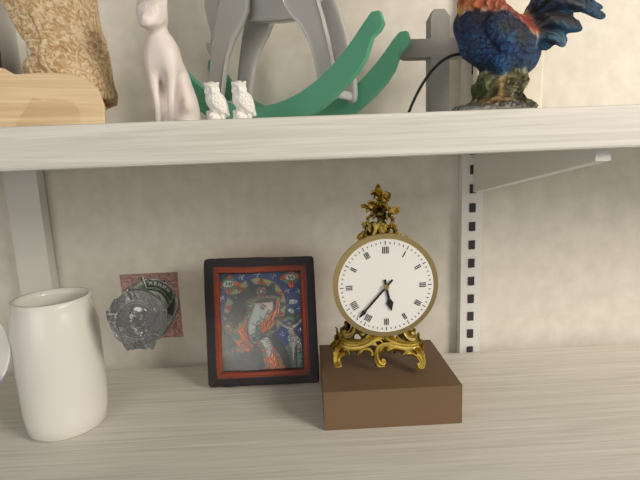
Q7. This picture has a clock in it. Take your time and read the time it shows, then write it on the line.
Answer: 5:37
